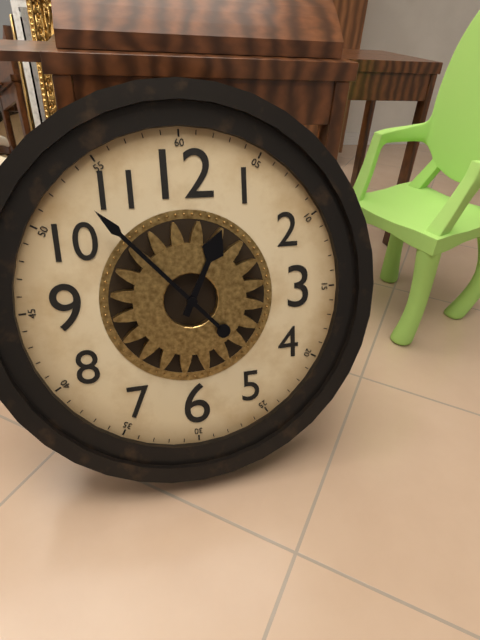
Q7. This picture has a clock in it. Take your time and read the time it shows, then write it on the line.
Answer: 12:53
